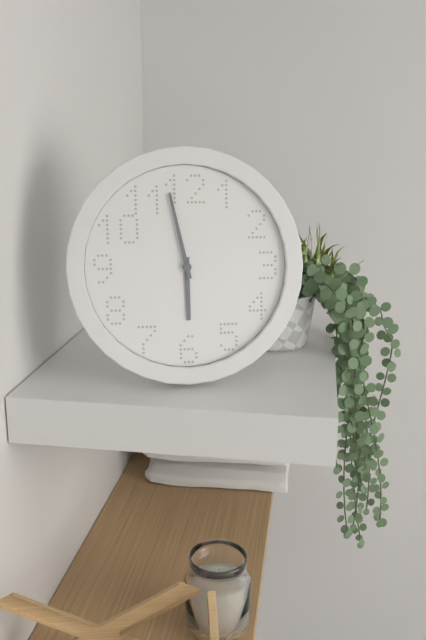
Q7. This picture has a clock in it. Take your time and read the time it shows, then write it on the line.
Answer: 5:58
